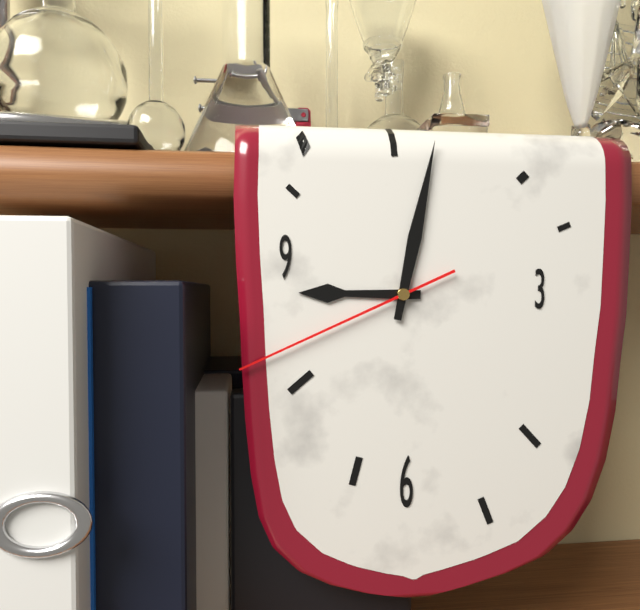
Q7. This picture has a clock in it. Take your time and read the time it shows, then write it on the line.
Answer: 9:02:41
